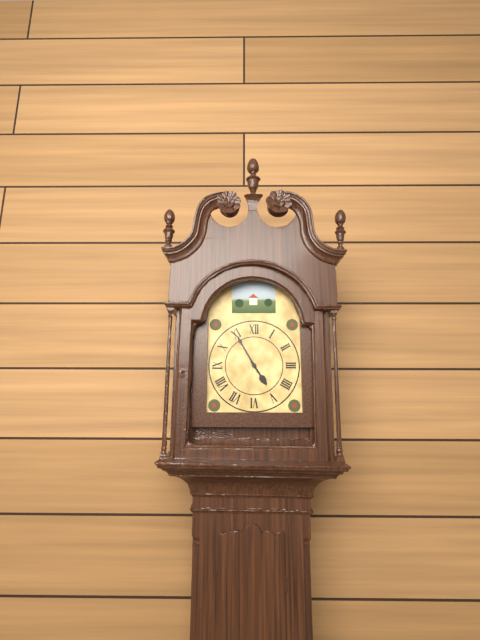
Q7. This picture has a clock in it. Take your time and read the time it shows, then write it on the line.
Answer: 4:55
